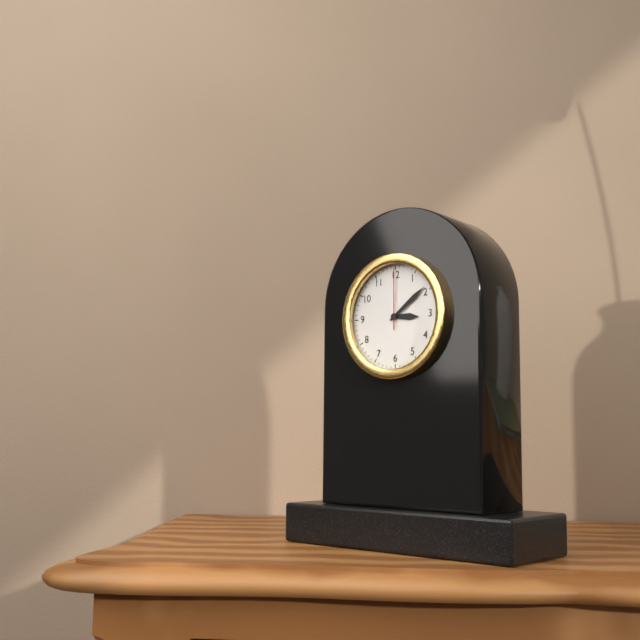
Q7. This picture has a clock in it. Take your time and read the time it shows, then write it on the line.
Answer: 3:09:00
